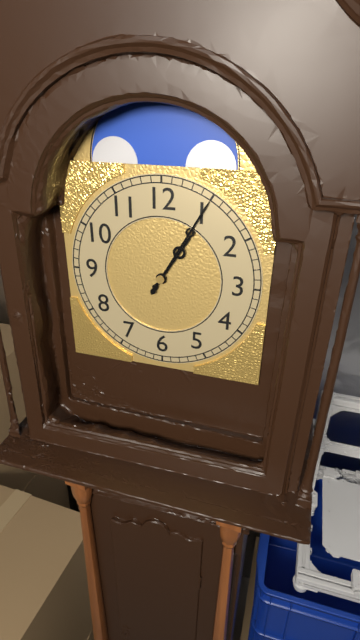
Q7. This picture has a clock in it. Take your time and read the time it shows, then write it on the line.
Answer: 1:05
